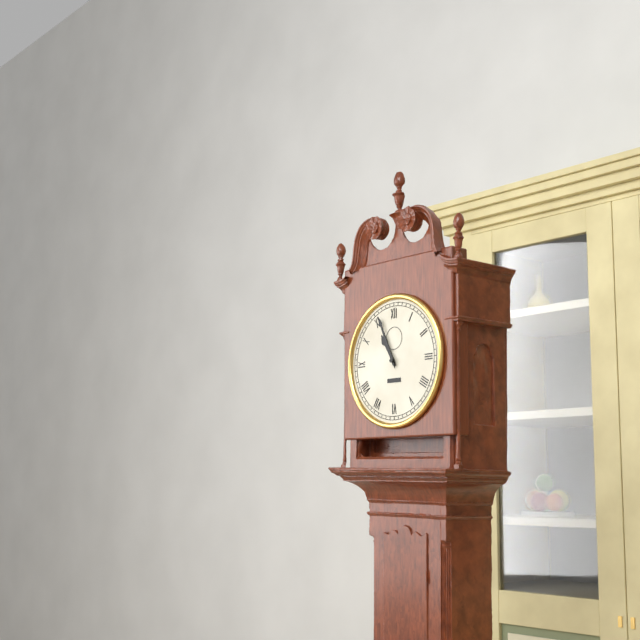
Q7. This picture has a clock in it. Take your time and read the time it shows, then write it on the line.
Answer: 10:56
